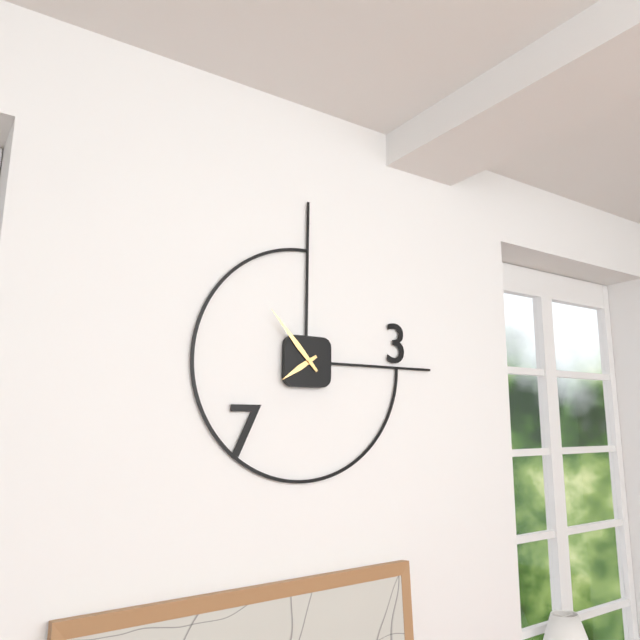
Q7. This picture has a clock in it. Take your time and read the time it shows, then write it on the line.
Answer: 7:53
